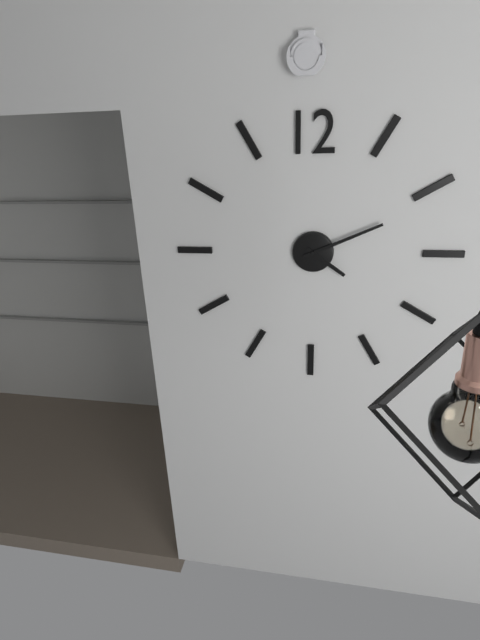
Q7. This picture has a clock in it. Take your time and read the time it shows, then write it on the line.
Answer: 4:11
